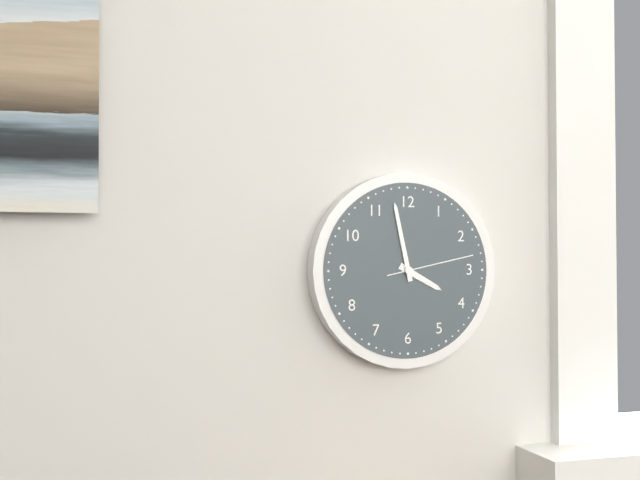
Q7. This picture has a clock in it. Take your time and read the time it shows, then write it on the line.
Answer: 3:58:13
